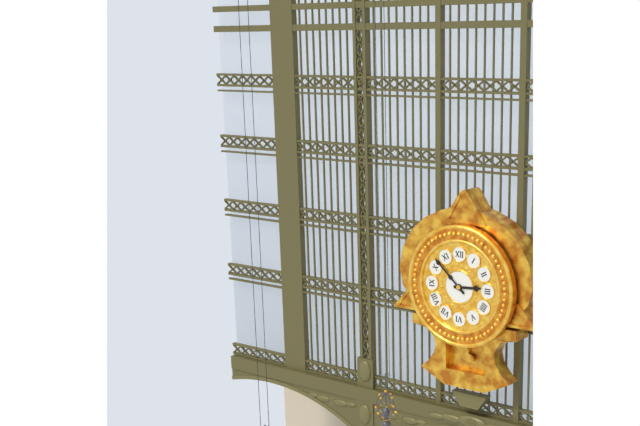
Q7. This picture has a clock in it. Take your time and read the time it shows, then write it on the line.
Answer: 2:52
